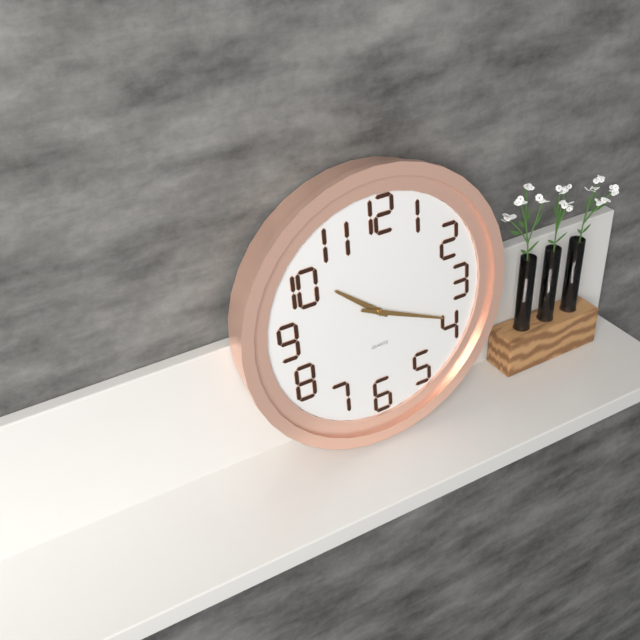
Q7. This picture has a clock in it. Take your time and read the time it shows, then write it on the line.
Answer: 10:19
